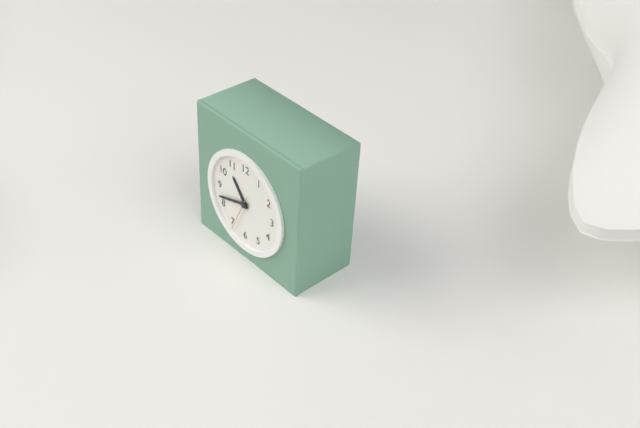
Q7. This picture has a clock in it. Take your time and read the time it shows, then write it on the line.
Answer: 10:42
